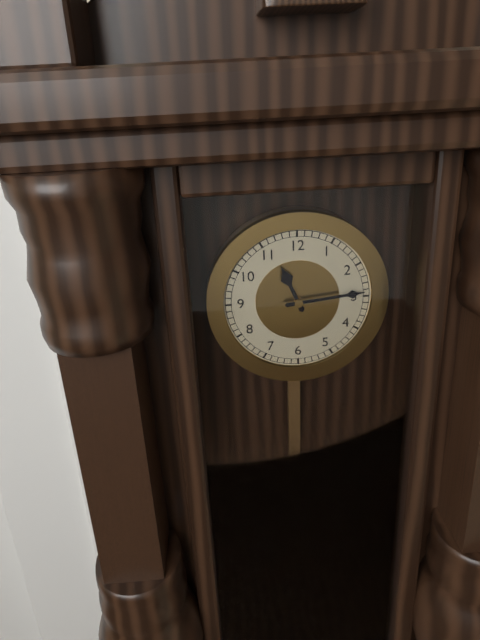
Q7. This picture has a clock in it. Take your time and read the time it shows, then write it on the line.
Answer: 11:14
